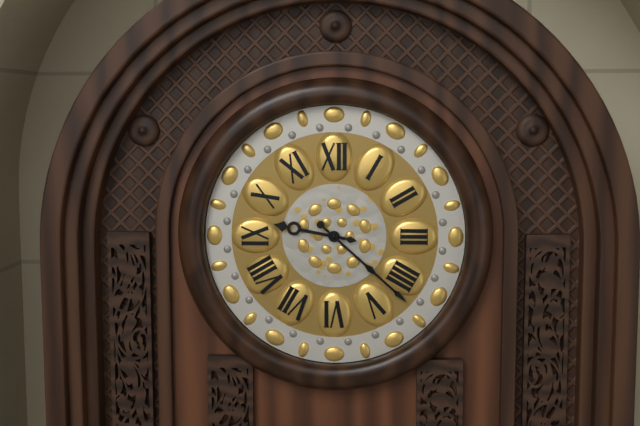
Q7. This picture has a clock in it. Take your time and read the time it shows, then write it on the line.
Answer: 9:22
